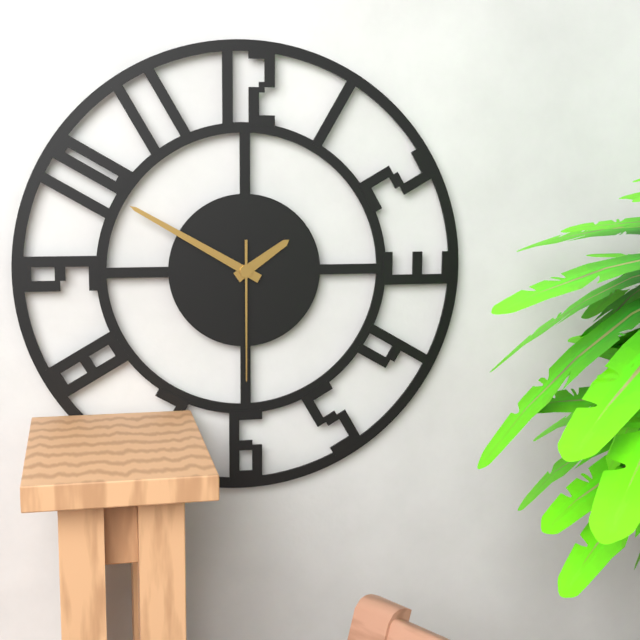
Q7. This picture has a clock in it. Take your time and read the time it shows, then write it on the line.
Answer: 1:50:30
